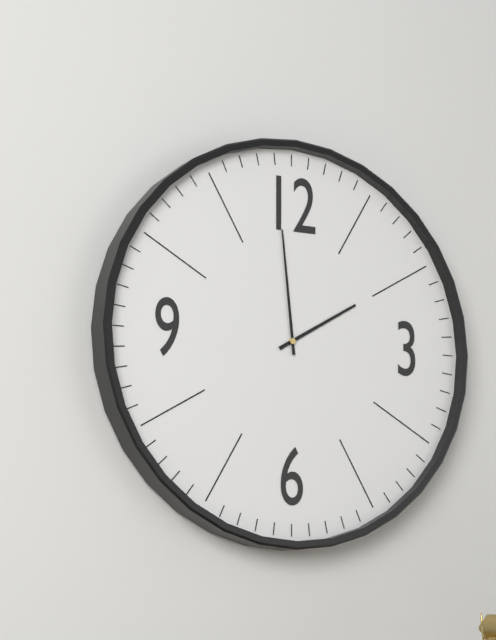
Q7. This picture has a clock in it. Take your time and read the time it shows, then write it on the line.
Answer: 1:59
